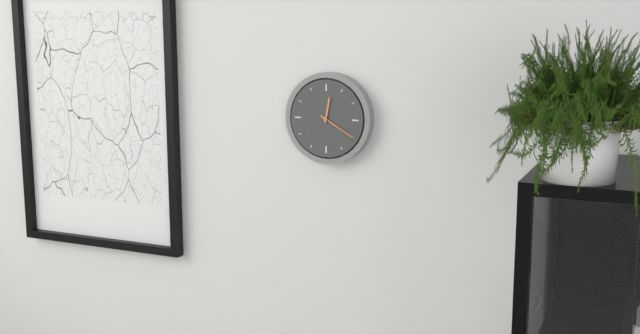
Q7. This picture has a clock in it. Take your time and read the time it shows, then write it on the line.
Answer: 12:20
